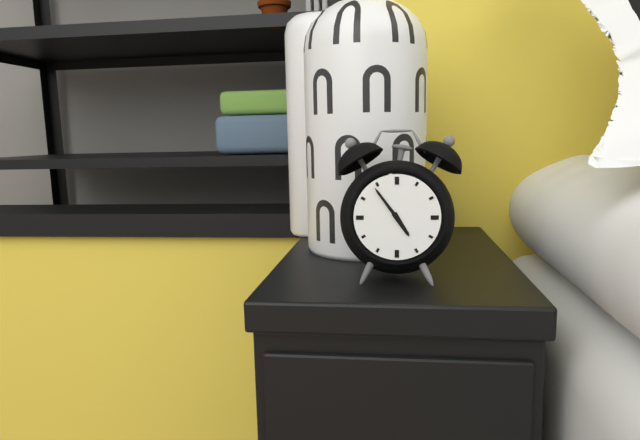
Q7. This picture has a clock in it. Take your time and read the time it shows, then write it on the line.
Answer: 4:54
